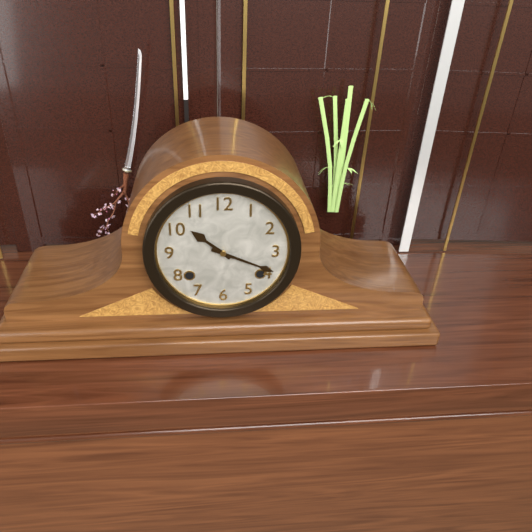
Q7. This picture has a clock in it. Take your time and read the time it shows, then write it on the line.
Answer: 10:19
